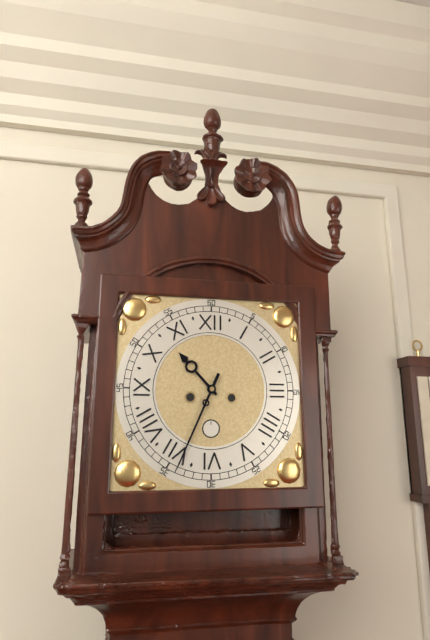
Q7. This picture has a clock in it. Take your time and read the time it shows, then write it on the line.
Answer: 10:34
